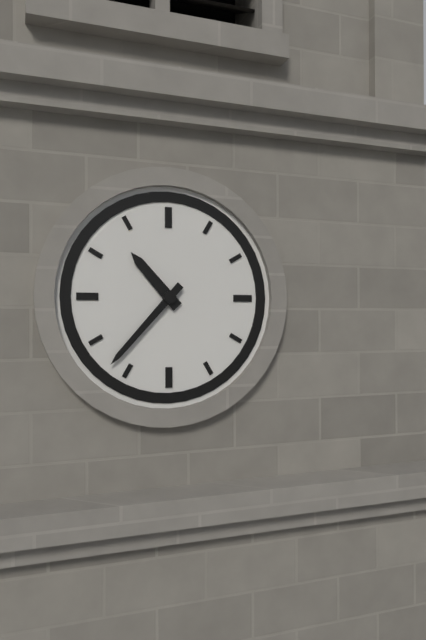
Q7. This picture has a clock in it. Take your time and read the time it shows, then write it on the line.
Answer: 10:37
